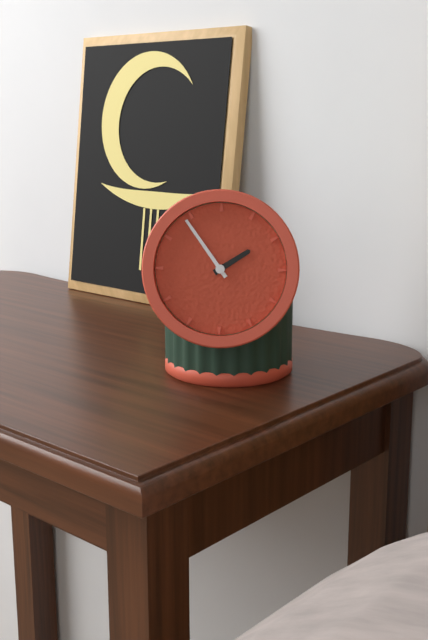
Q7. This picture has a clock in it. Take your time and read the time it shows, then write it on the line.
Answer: 1:54
